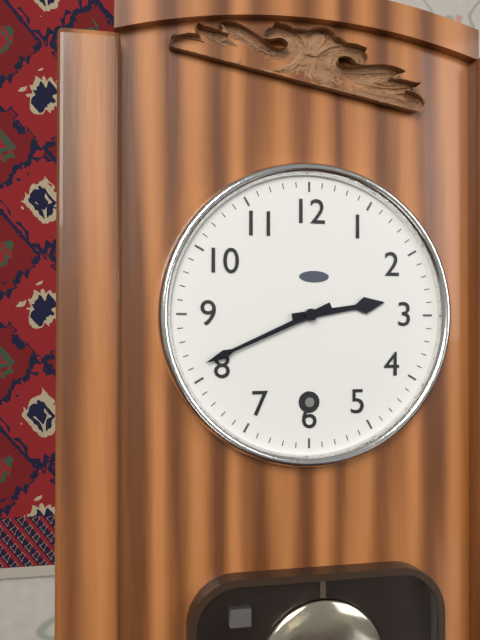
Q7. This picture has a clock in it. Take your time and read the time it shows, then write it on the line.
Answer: 2:41
